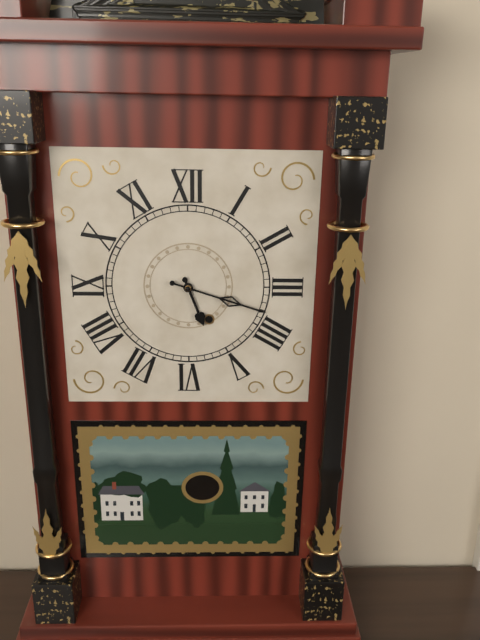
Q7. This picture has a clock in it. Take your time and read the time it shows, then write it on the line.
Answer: 5:18
